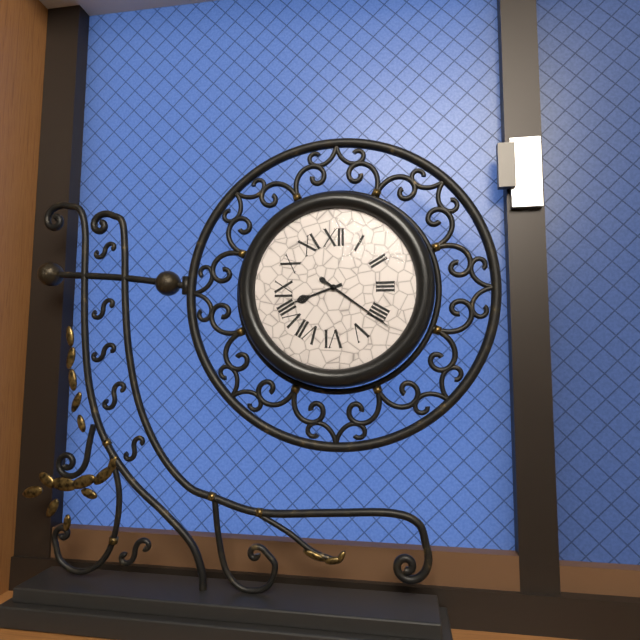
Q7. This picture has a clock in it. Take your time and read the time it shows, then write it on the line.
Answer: 8:21
